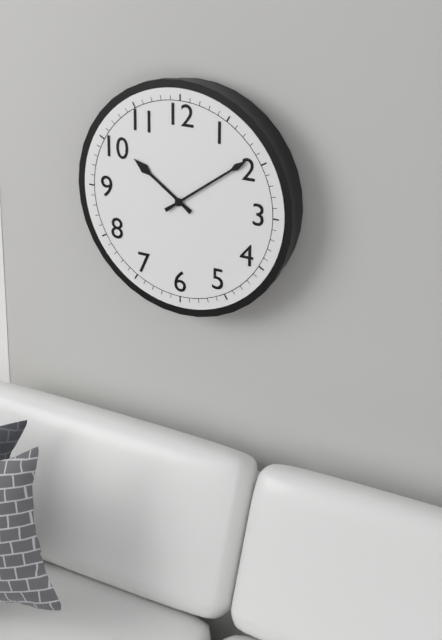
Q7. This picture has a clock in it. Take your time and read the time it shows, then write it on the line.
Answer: 10:09
